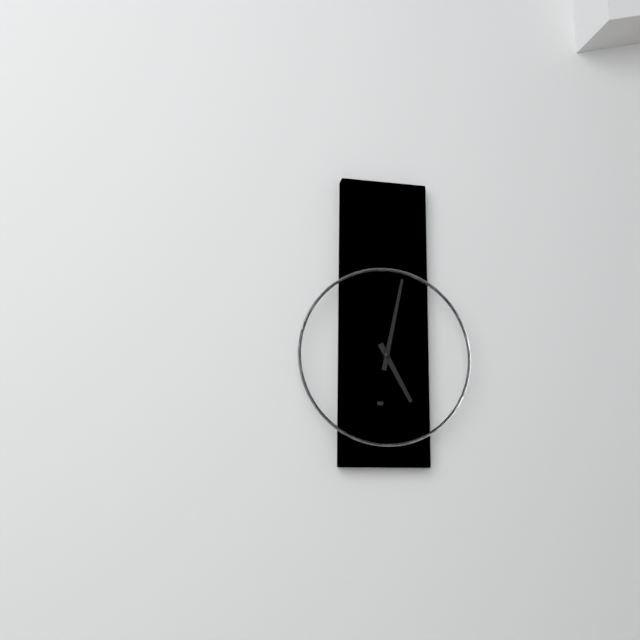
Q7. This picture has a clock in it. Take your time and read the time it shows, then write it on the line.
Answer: 5:02
